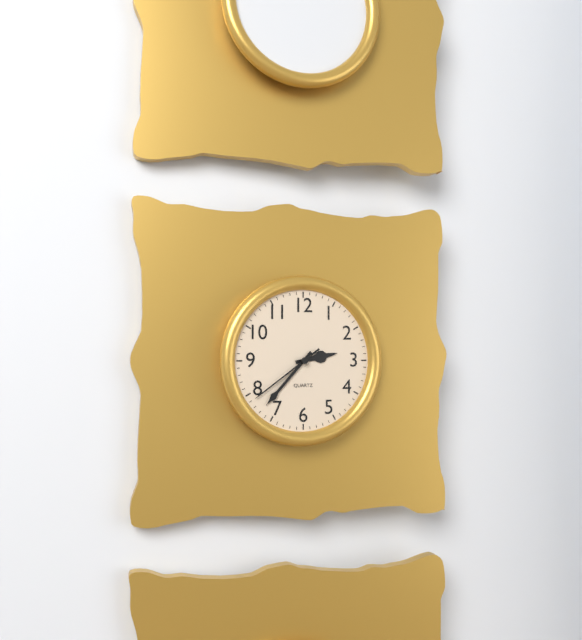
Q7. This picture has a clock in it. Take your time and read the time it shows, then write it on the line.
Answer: 2:37:39
